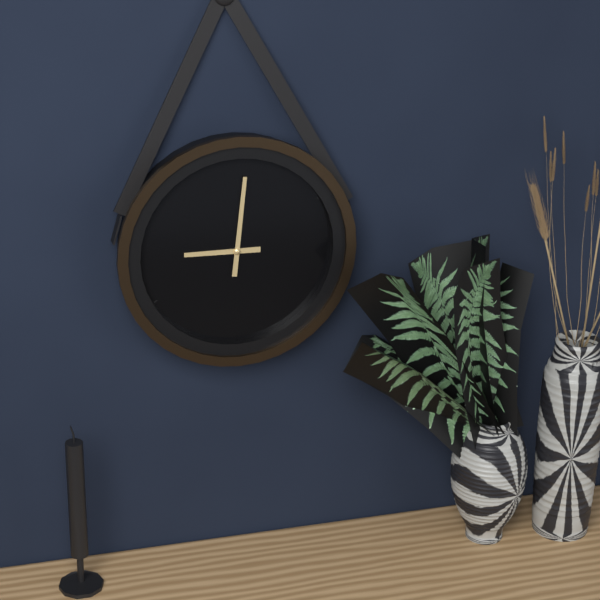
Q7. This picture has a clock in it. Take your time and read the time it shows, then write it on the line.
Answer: 9:01
